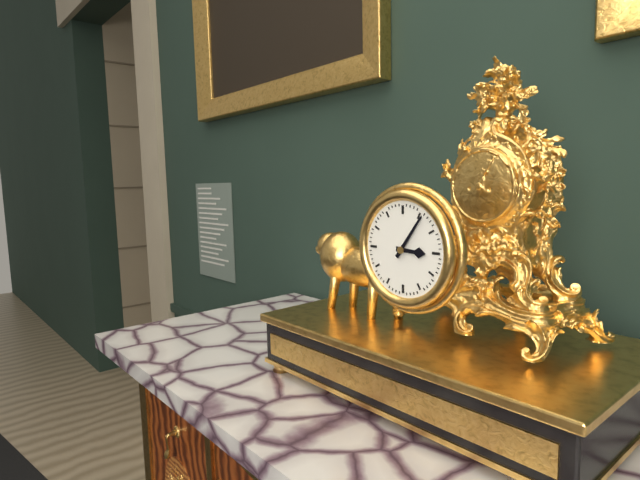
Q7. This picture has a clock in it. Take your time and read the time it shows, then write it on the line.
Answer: 3:06
